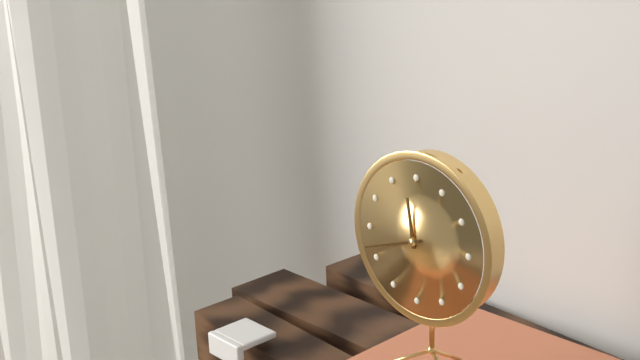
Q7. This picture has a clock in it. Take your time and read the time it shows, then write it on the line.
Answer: 11:42
